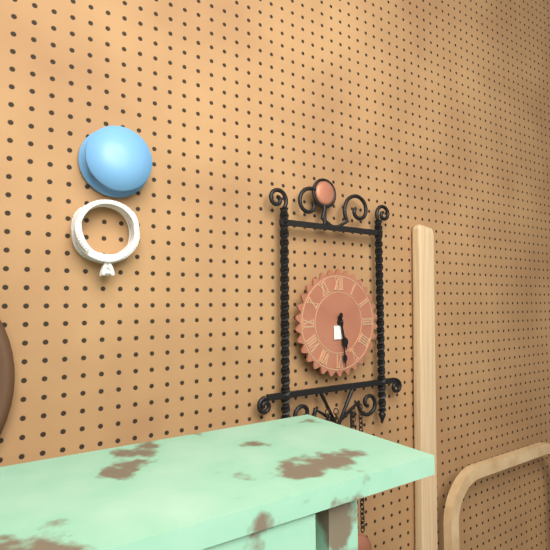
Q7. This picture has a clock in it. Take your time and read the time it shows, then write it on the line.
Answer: 5:29
